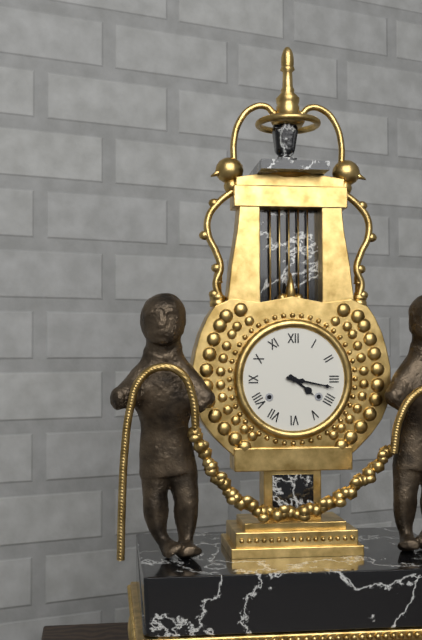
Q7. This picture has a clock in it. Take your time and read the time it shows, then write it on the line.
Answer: 4:17
